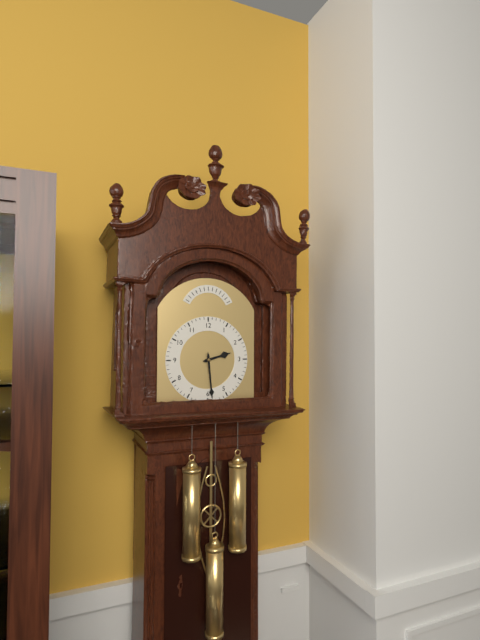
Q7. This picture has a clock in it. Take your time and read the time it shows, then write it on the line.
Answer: 2:29
